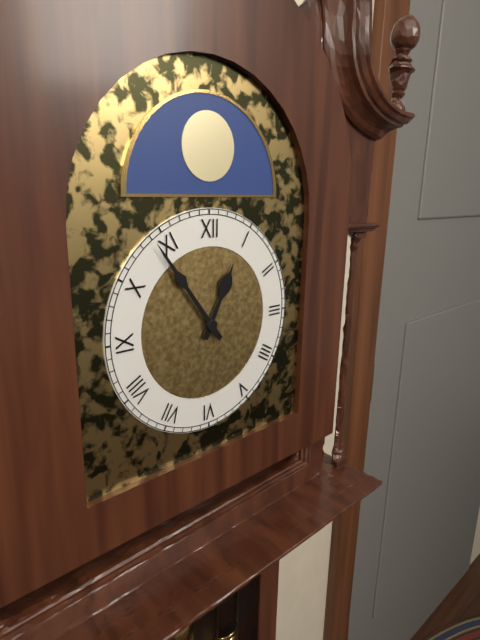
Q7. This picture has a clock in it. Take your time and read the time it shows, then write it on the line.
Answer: 12:54
